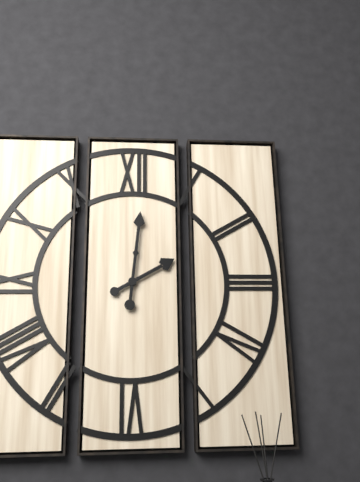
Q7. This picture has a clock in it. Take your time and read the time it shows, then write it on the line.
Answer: 2:01
